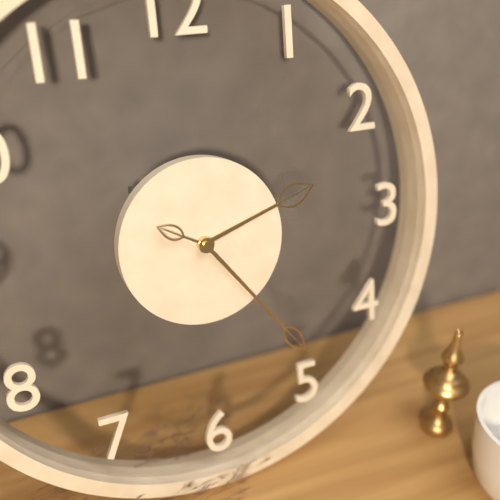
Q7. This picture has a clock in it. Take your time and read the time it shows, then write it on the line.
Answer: 2:24:50
